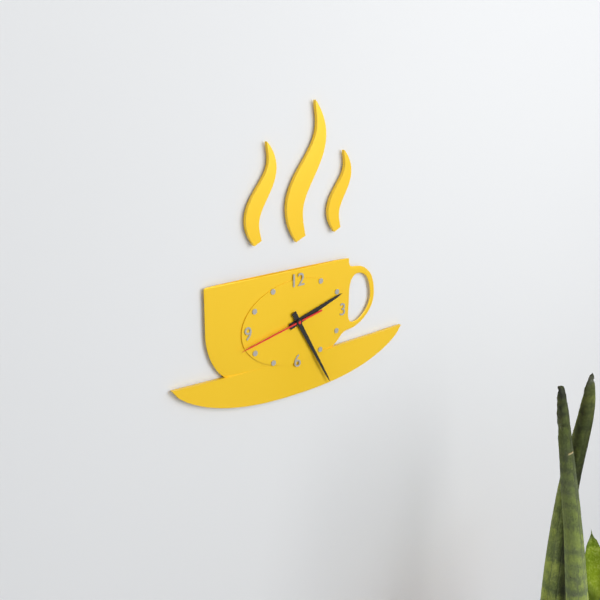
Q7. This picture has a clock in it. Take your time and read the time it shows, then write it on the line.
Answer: 2:25:43
